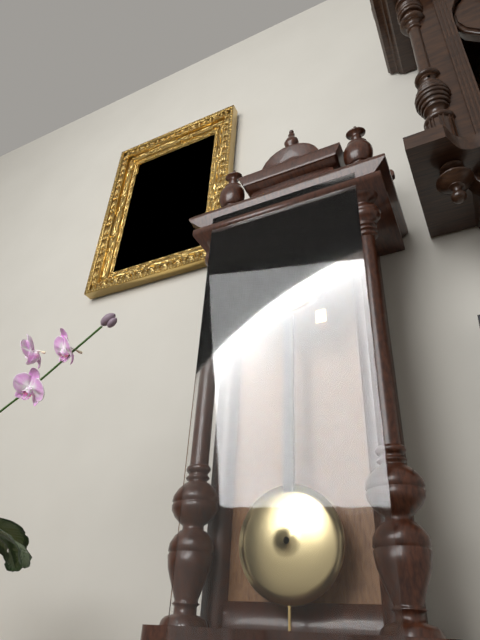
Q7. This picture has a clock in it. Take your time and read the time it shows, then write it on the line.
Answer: 10:54
